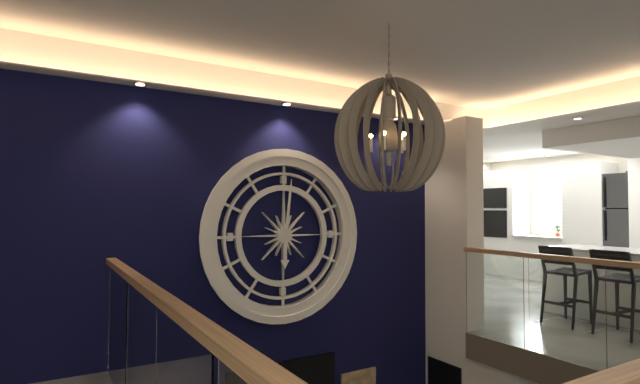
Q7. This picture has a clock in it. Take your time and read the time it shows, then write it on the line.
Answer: 6:01
